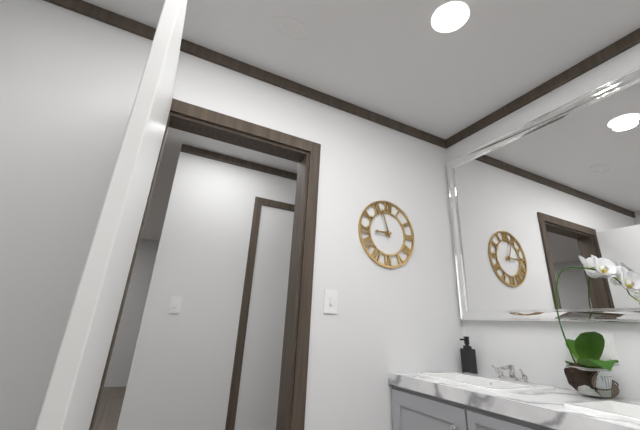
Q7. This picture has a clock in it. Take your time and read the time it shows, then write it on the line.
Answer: 8:57
